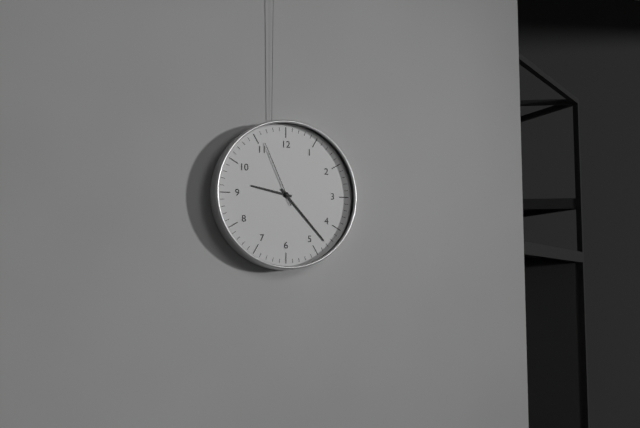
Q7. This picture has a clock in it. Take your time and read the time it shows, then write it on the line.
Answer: 9:23:56
